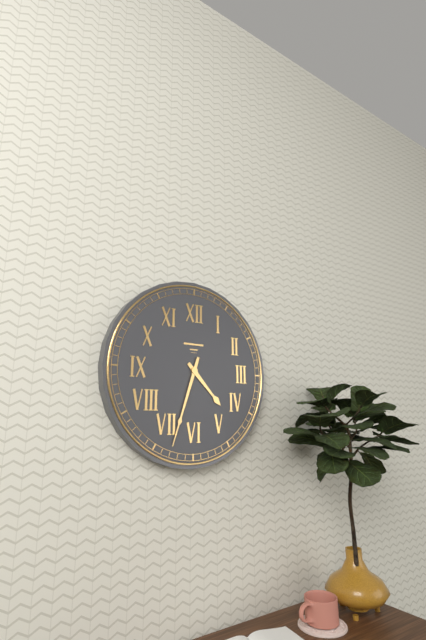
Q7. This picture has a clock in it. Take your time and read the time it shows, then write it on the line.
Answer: 4:33
